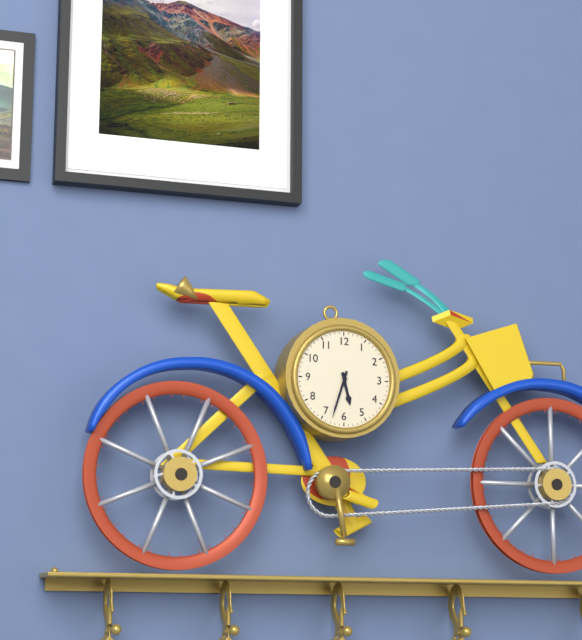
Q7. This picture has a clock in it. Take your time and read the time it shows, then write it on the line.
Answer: 5:33
